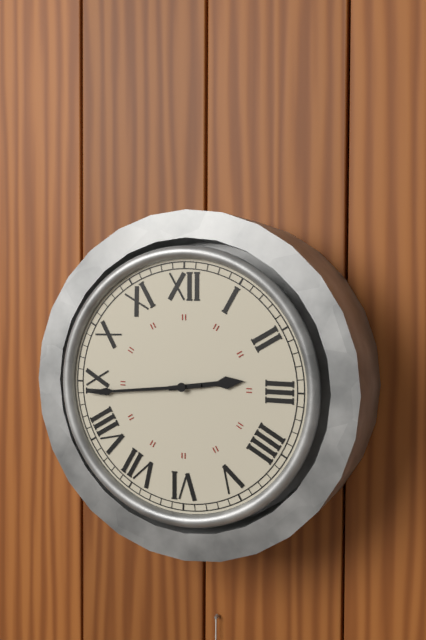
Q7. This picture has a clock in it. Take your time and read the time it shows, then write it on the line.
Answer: 2:44
